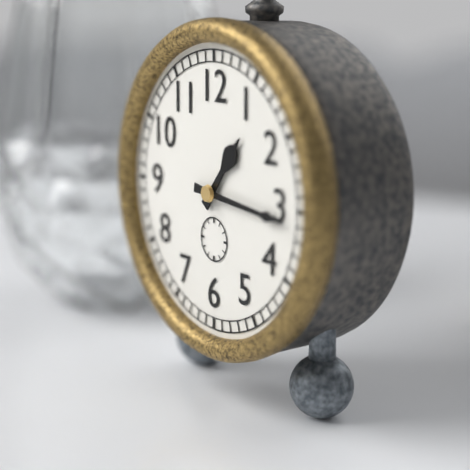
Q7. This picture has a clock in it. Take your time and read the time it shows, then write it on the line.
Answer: 1:16
